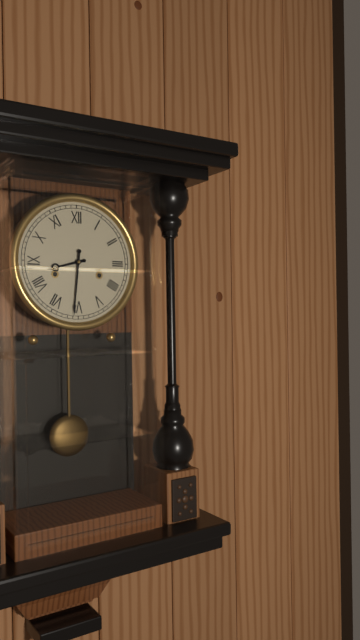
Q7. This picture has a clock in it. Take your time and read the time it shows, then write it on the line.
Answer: 8:31
